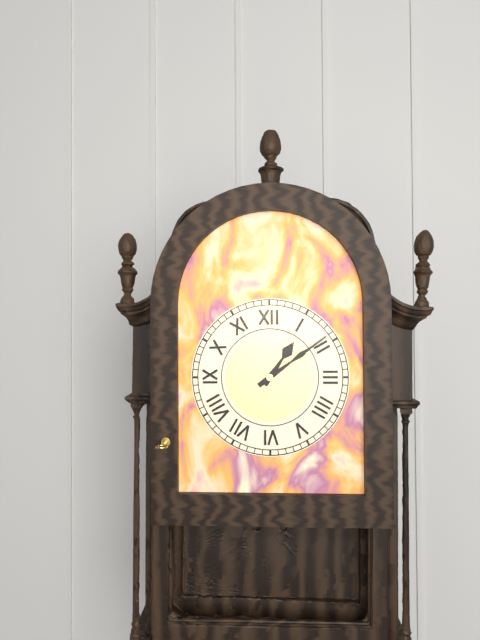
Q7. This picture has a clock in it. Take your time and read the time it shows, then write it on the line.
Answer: 1:09
